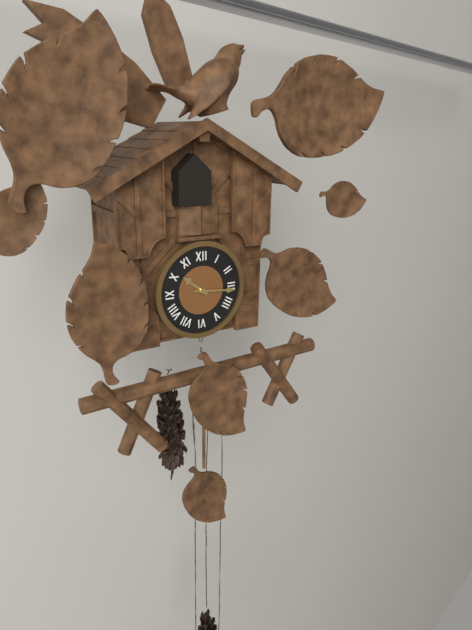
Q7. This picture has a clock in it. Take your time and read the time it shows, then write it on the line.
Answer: 10:16
